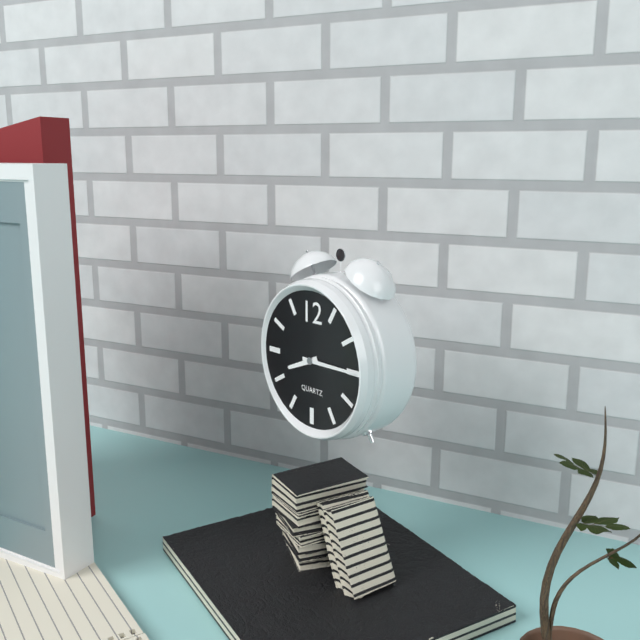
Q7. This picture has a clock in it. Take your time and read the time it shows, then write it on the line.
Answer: 8:15
